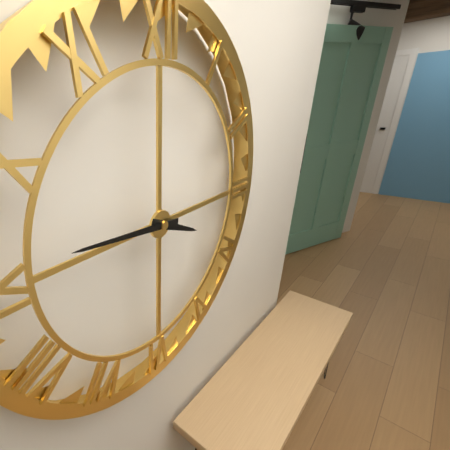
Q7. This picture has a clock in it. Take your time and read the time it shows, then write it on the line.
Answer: 3:46
